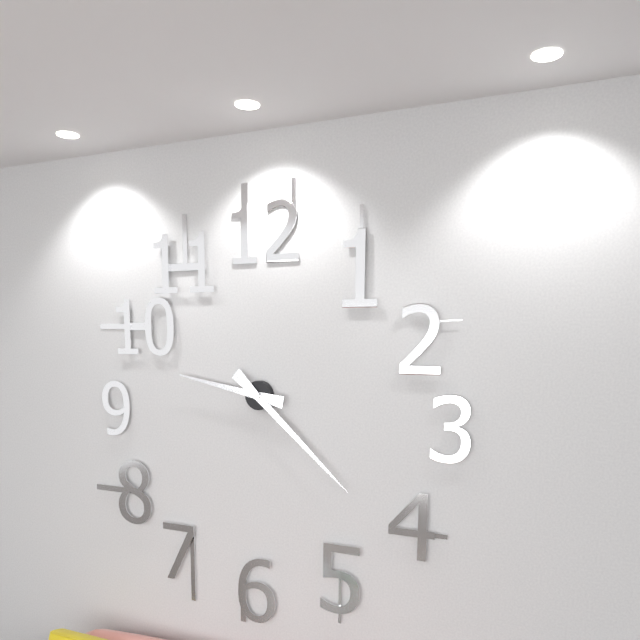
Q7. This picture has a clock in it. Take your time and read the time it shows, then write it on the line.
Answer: 9:22
